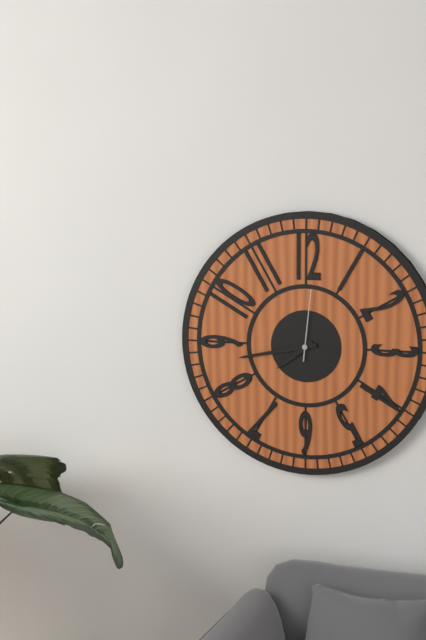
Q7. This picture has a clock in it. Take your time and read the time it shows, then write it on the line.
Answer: 7:43:01
